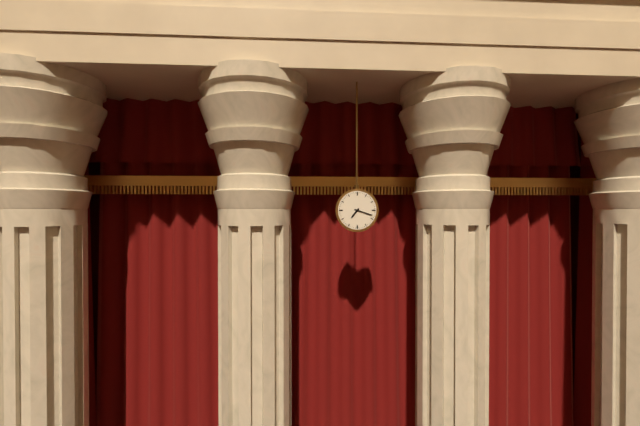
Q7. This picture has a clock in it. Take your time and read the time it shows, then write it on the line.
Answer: 7:18
